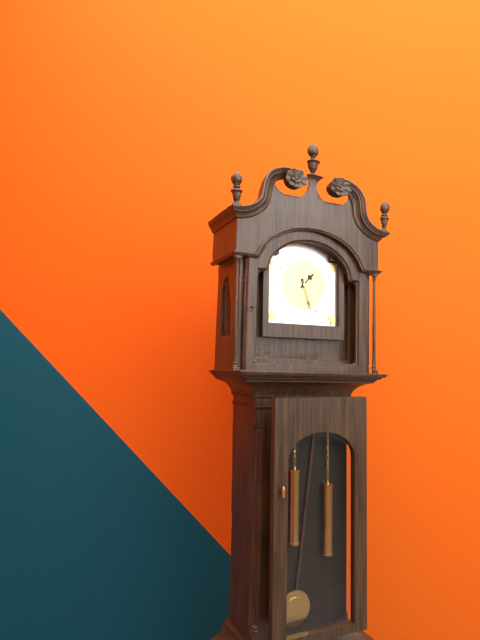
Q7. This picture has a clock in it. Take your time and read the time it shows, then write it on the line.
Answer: 1:27
